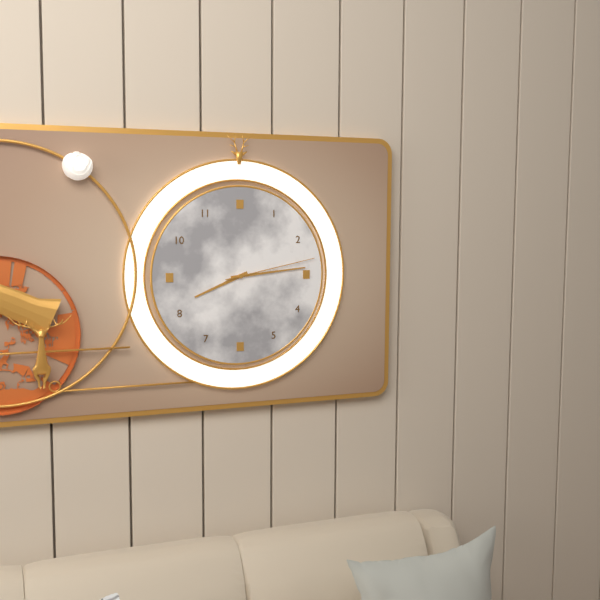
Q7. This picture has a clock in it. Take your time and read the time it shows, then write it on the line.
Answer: 8:14:13
